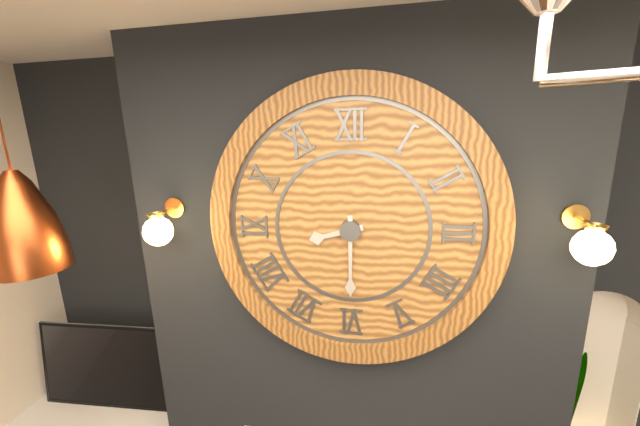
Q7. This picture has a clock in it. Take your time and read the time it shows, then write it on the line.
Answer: 8:30
